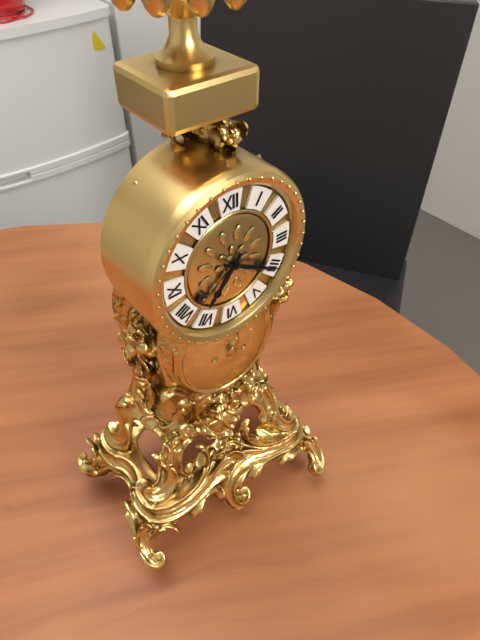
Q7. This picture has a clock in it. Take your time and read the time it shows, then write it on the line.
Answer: 7:20
